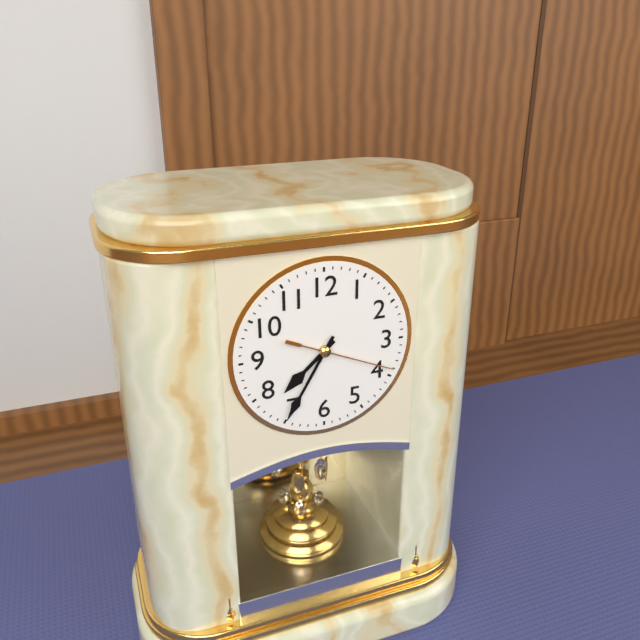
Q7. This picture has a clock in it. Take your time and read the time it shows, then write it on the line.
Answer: 7:35:19
